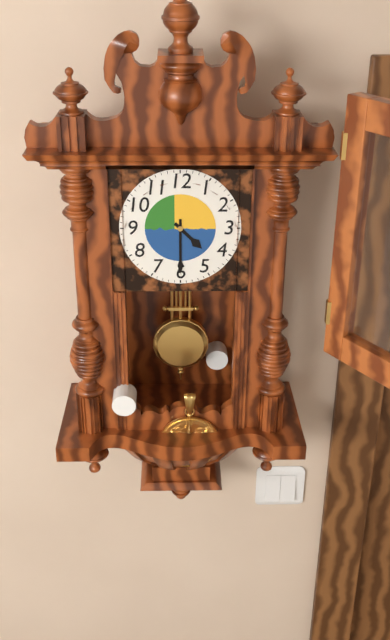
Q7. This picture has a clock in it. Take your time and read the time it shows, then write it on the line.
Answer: 4:30
